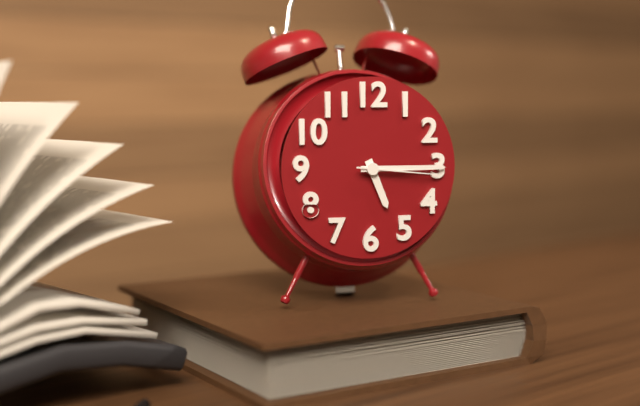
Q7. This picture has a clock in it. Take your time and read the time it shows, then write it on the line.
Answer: 5:15:16
